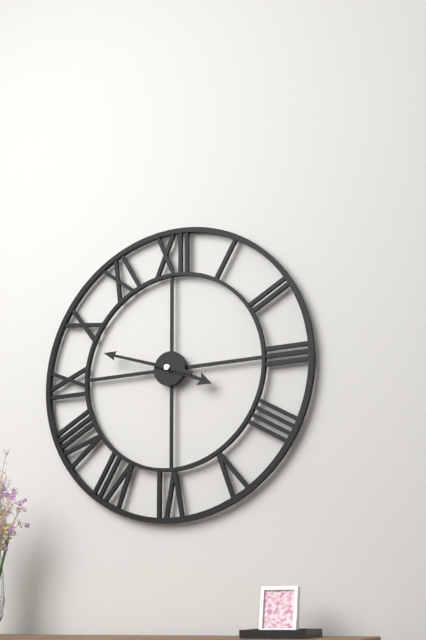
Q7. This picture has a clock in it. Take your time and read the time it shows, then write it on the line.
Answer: 3:48
